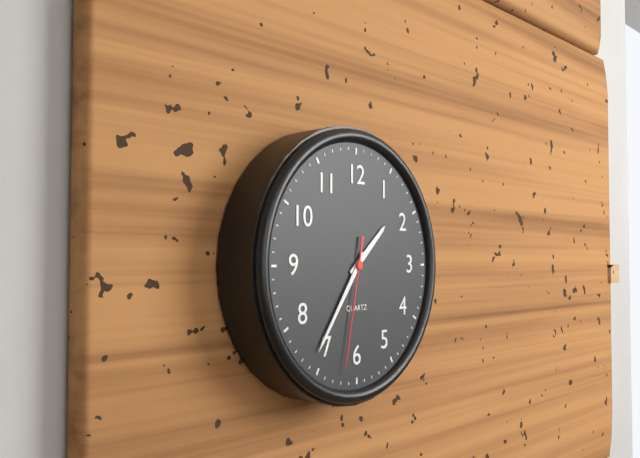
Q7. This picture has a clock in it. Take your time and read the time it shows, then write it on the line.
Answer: 1:36:32
